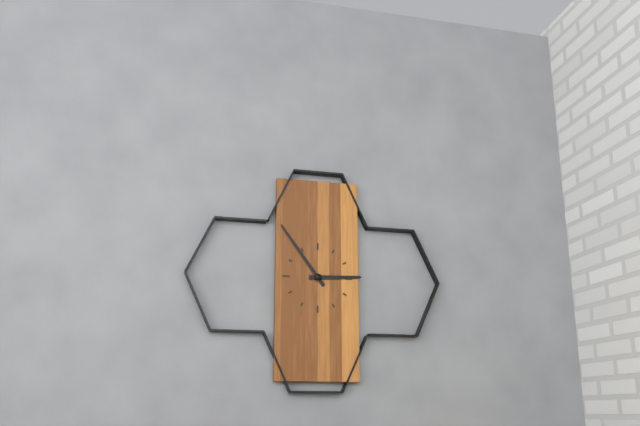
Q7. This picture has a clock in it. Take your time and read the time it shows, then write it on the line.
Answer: 2:54
